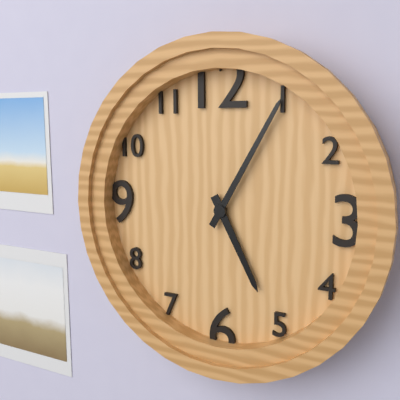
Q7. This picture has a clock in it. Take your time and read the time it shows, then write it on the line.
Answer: 5:05
